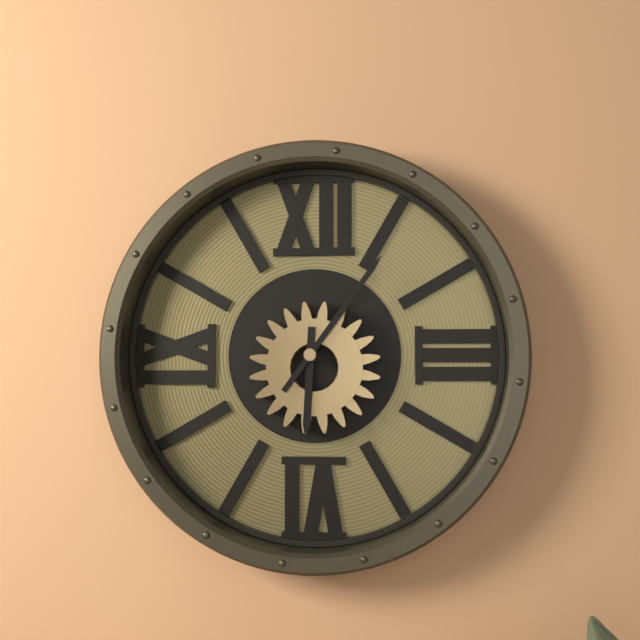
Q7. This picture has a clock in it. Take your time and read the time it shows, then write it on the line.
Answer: 6:06
